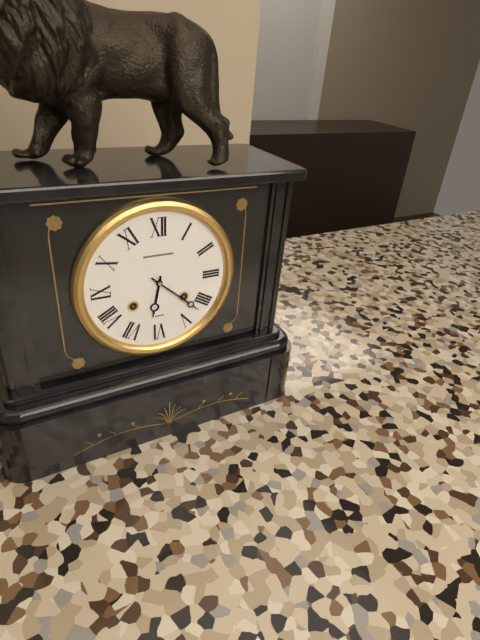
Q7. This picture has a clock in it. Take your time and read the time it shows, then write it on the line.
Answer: 6:22
